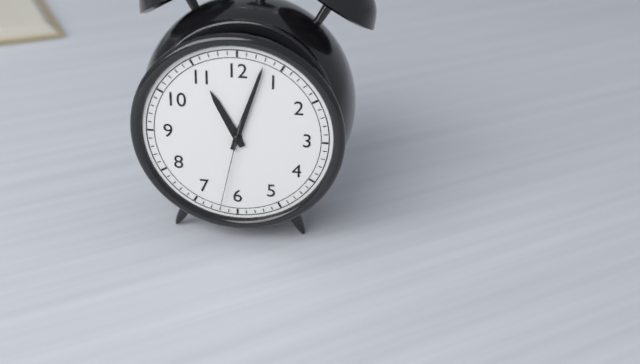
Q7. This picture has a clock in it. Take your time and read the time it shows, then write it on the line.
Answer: 11:03:32
